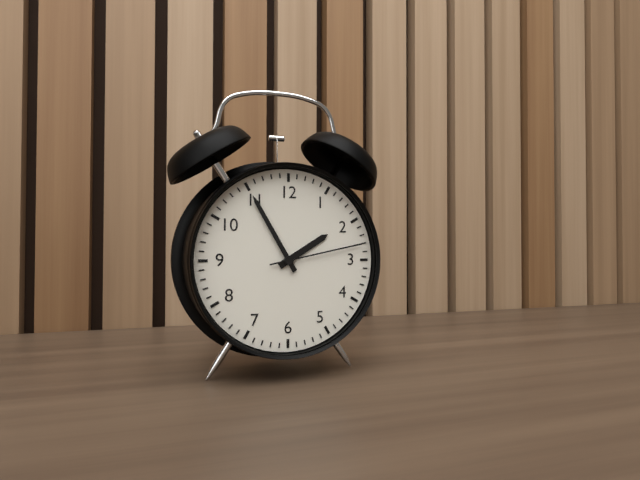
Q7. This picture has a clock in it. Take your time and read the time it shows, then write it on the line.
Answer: 1:55:13
